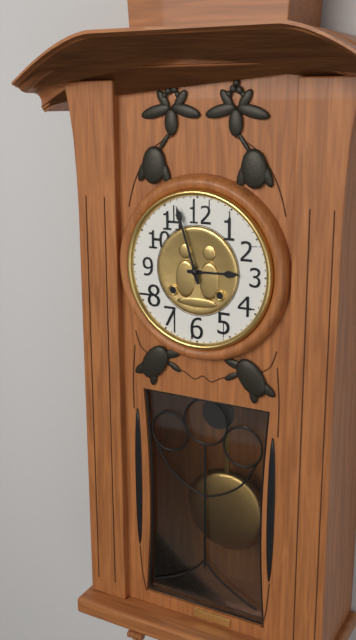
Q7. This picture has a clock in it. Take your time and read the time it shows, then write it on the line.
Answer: 2:57
